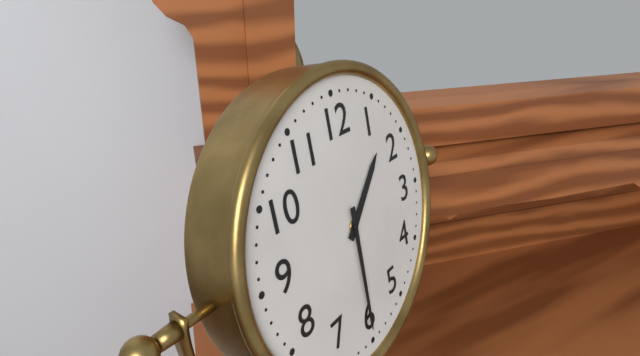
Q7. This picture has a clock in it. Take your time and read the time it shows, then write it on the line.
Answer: 1:30
